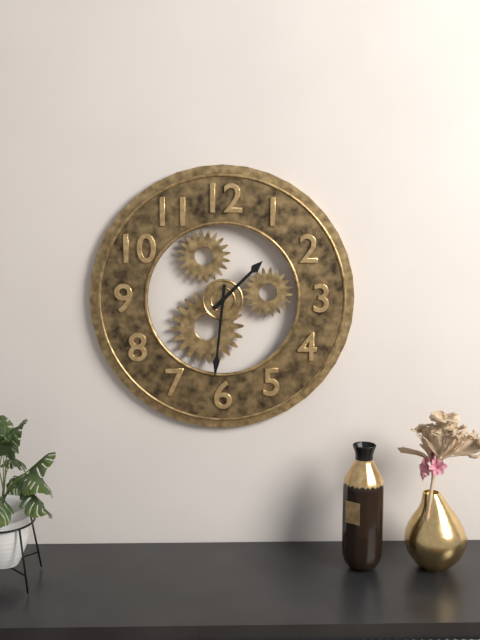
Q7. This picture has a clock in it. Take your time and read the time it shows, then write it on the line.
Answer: 1:31
